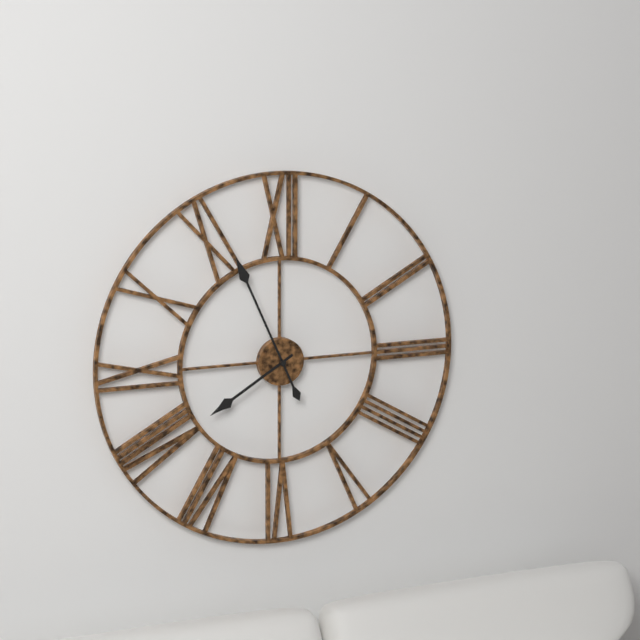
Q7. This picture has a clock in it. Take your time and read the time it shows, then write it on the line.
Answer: 7:56
